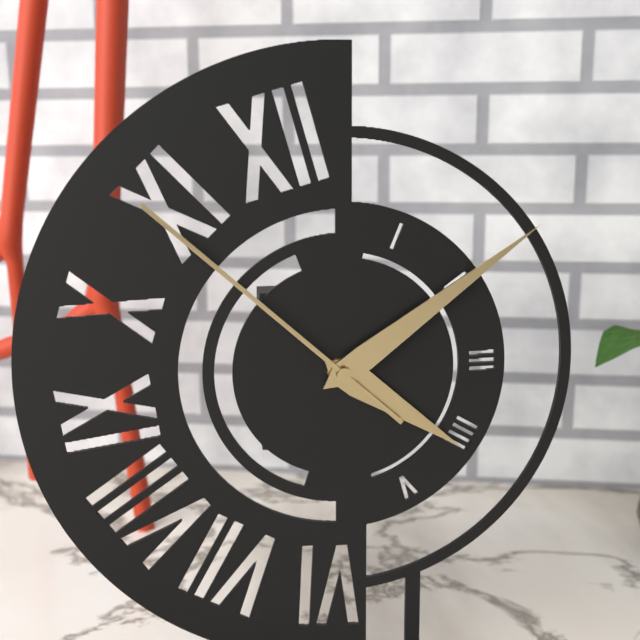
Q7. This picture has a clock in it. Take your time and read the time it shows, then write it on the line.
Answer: 4:09:52
